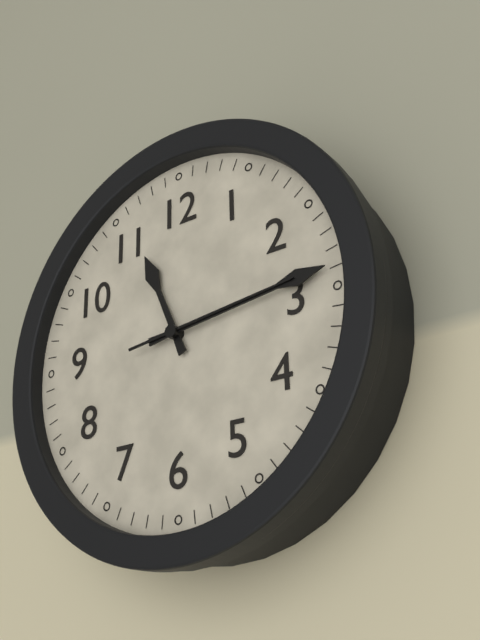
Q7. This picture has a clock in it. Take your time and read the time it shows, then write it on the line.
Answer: 11:14:14
